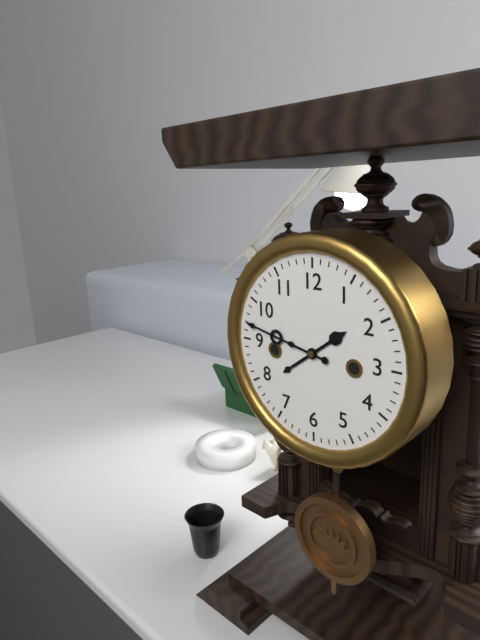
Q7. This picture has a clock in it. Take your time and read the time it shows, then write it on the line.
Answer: 1:47
